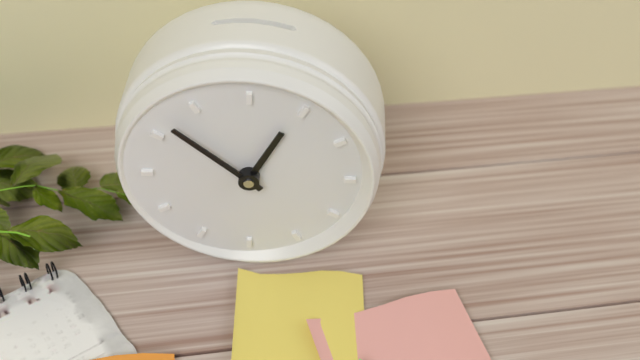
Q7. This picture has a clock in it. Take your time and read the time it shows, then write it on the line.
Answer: 12:52
